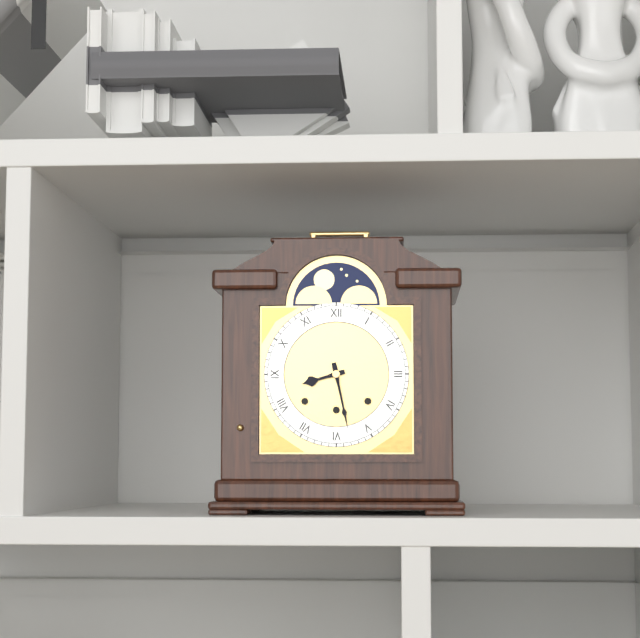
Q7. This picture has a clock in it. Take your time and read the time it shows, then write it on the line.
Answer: 8:28
